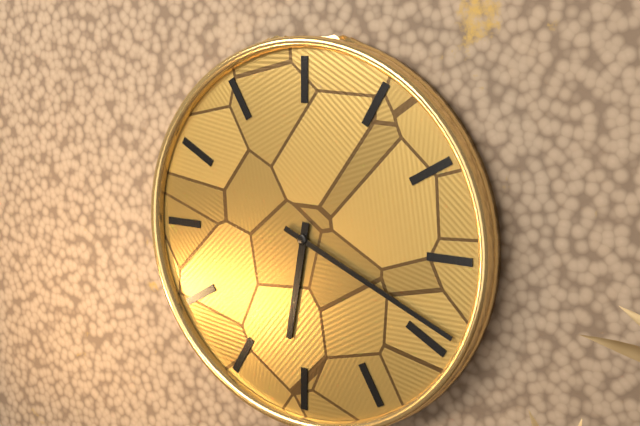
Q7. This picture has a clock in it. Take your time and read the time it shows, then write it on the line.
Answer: 6:19
